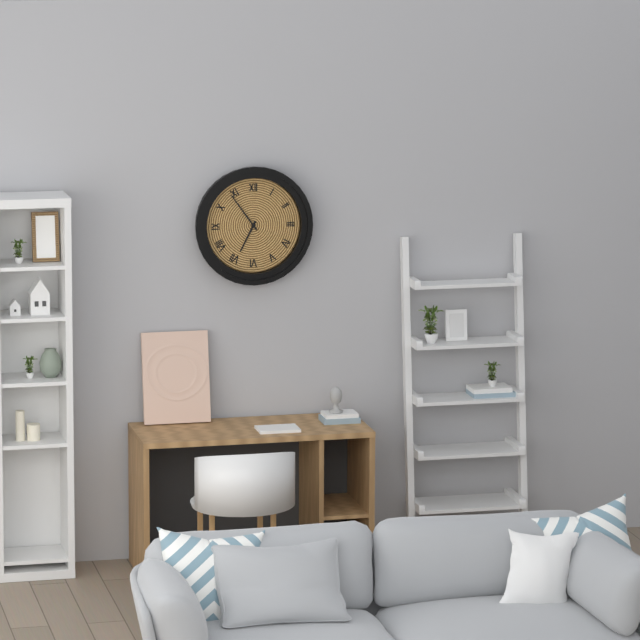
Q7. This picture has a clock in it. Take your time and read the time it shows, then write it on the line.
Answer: 6:54
